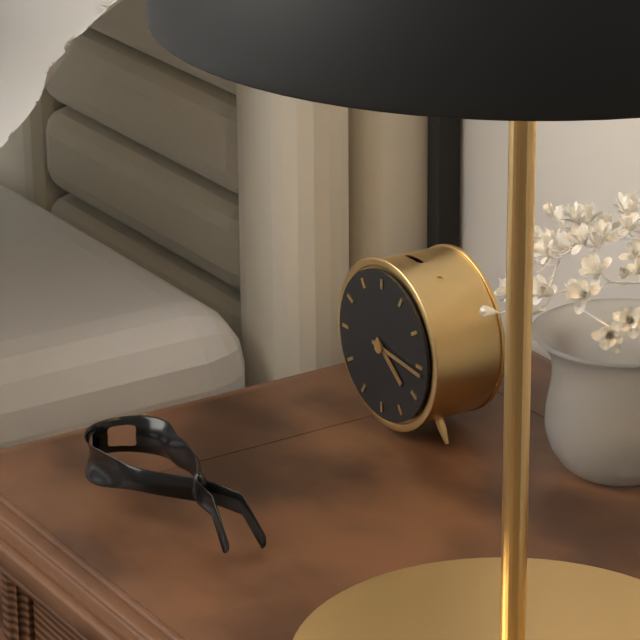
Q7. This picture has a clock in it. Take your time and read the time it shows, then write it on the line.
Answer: 4:16
